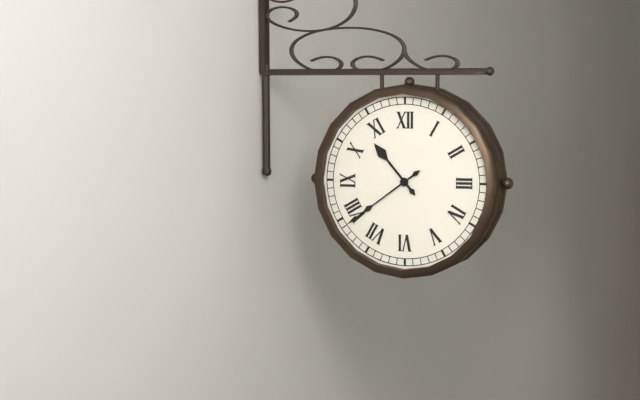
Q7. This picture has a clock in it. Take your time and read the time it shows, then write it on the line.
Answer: 10:39
